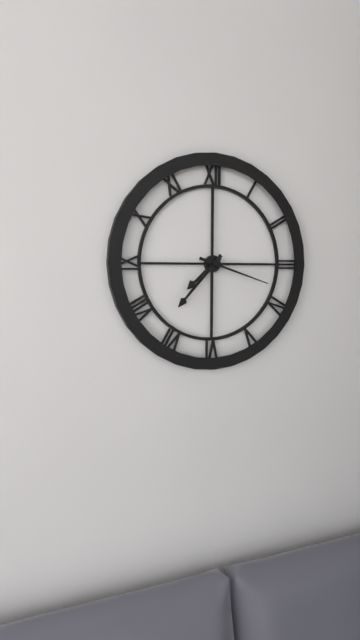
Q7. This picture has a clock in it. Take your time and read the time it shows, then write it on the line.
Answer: 7:37:18
